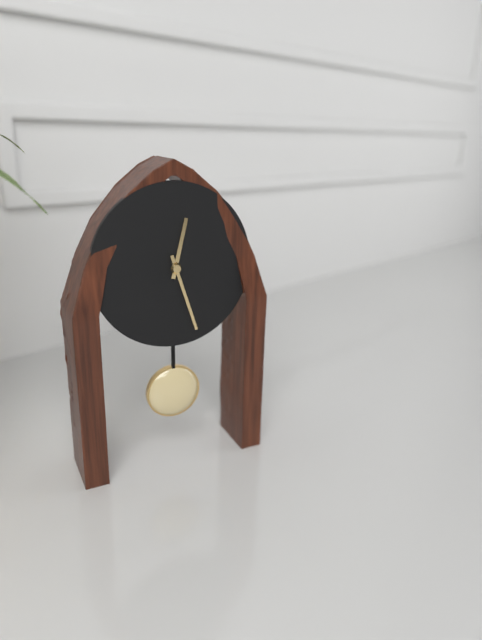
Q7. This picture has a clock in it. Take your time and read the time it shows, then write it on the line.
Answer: 12:27
